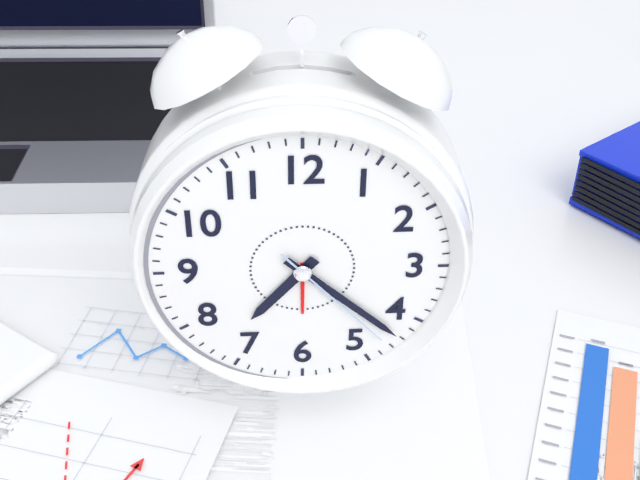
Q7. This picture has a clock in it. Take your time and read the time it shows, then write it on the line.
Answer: 7:22:23
